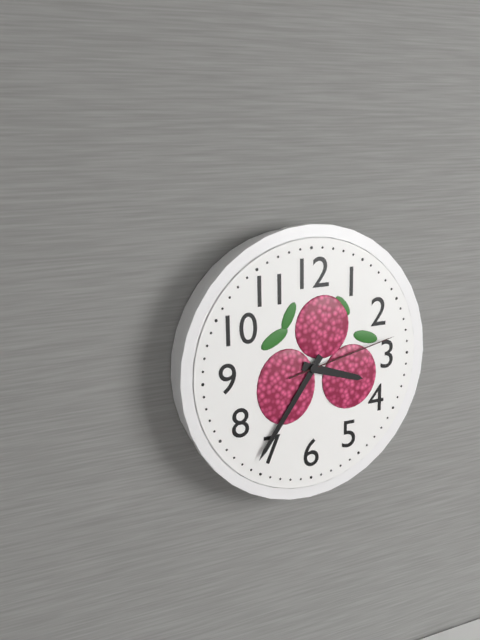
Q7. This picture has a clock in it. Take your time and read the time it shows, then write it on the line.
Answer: 3:36:13
